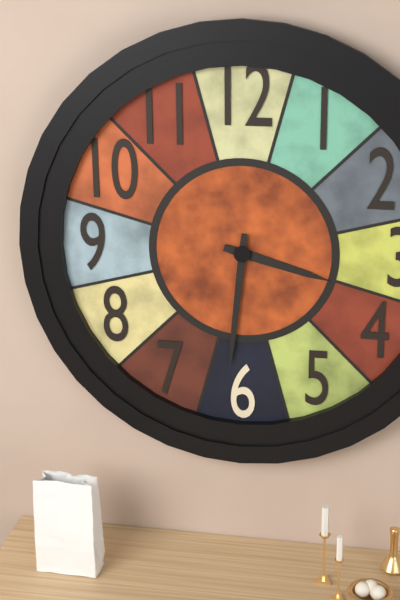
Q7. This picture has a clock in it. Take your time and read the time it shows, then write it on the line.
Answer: 3:31
